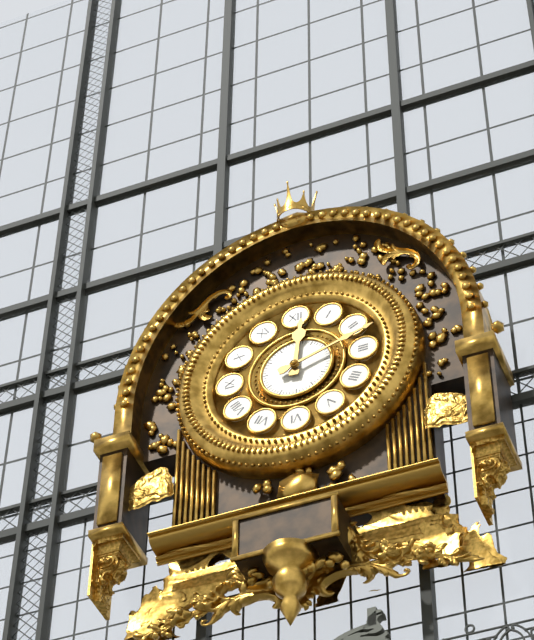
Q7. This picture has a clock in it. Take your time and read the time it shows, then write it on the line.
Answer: 12:12
